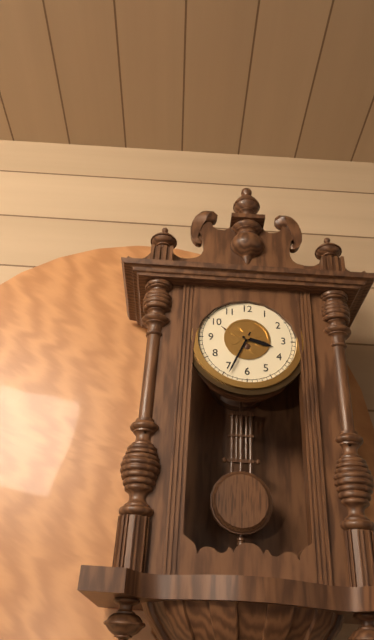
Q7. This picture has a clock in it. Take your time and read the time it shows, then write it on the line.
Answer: 3:34
